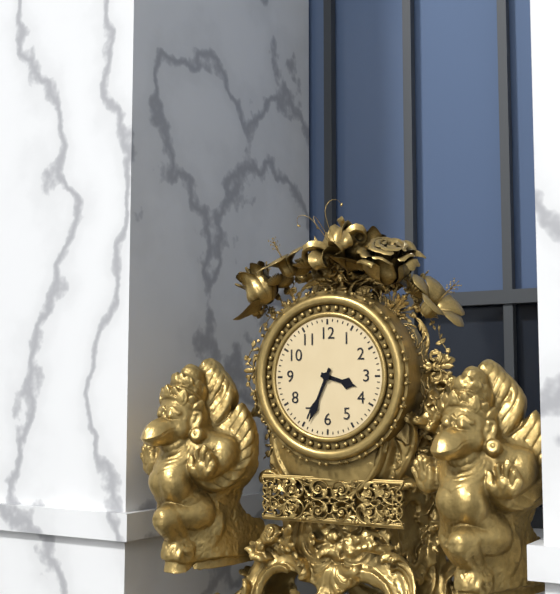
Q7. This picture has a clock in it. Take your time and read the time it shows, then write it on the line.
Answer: 3:34
